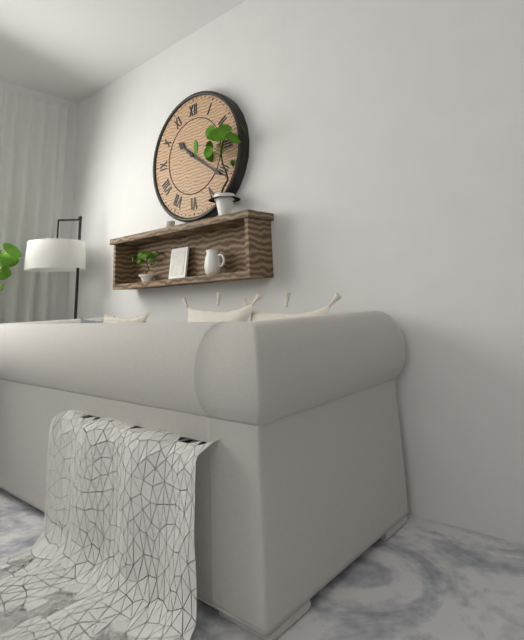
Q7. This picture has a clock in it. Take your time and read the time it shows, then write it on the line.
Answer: 10:21
